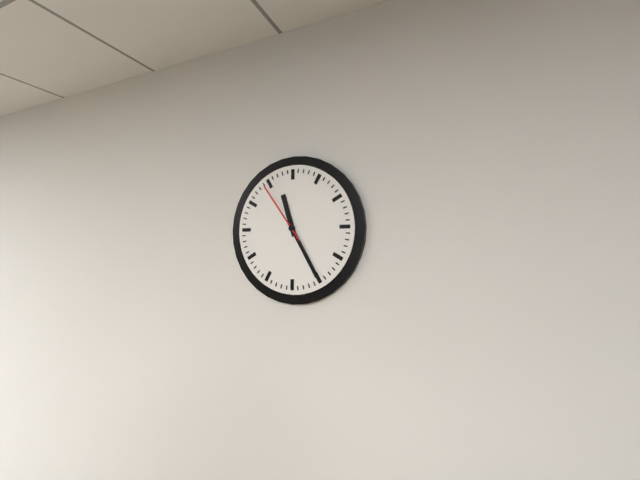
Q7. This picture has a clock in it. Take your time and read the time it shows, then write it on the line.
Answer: 11:25:54
